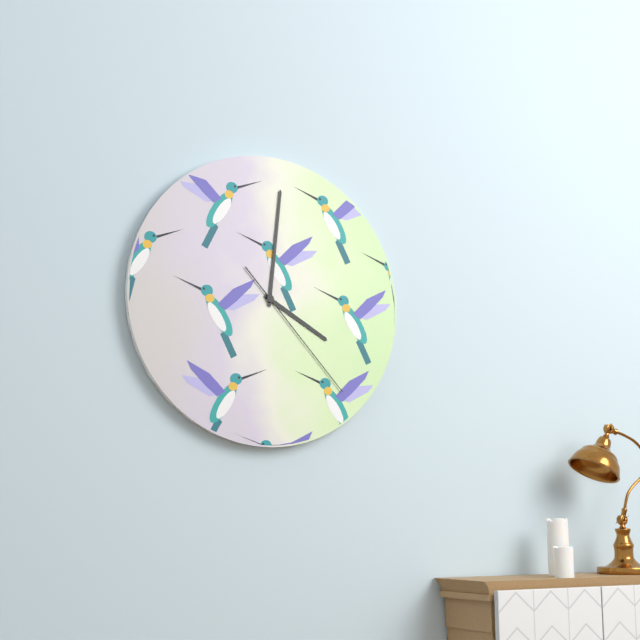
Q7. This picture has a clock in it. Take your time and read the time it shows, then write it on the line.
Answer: 4:01:23
